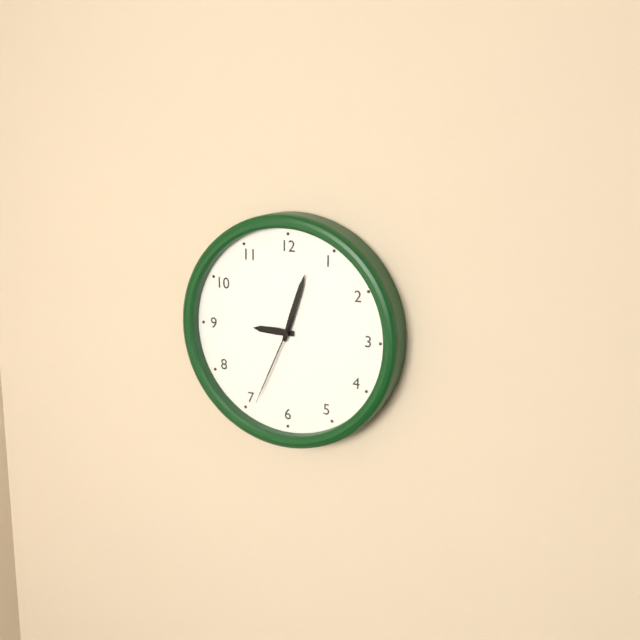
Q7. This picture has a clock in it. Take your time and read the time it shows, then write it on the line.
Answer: 9:03:34
